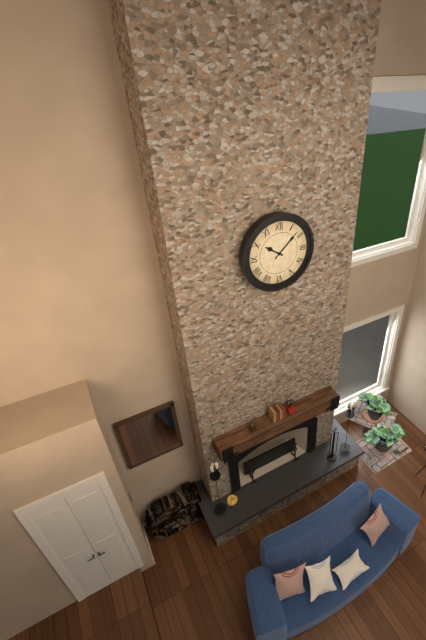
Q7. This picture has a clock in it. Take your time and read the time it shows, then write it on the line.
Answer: 10:08
